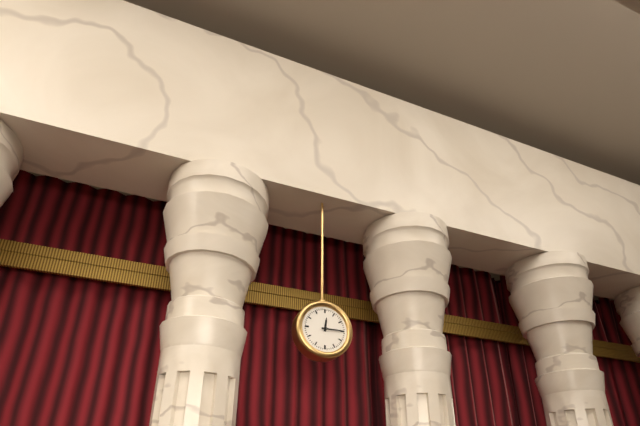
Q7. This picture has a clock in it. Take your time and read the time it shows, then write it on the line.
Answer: 12:15
